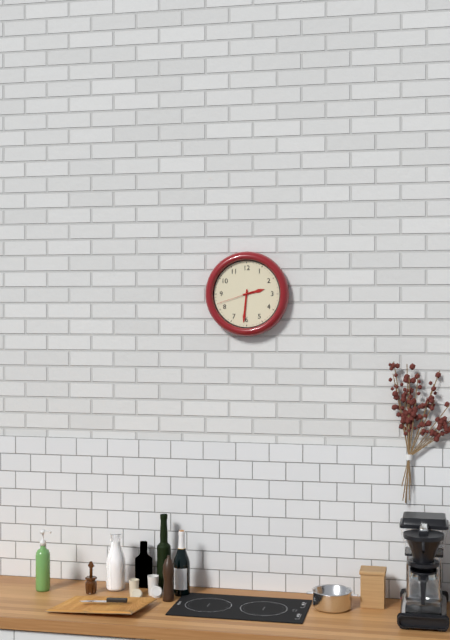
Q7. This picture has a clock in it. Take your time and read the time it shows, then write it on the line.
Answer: 2:31
